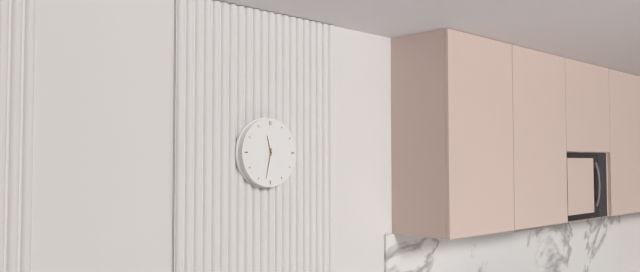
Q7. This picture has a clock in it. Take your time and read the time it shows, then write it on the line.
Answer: 11:32
